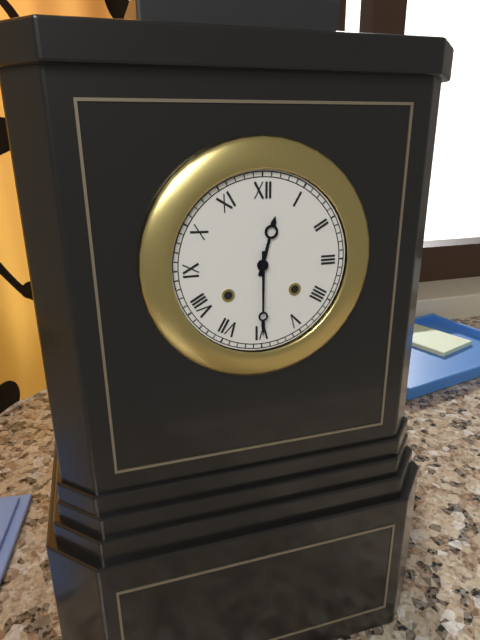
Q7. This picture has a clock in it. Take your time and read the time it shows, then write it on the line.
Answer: 12:30
